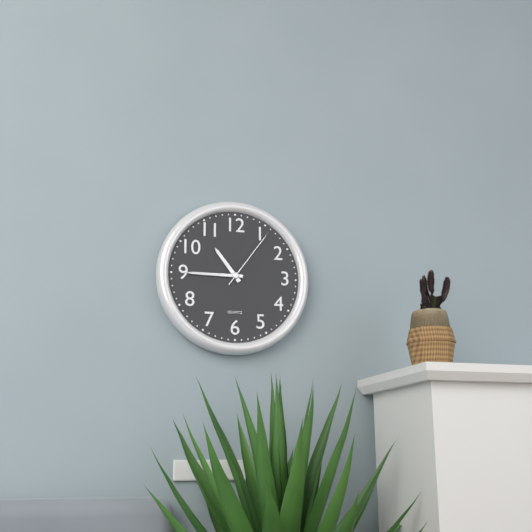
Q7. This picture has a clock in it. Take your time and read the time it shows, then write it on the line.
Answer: 10:45:06
